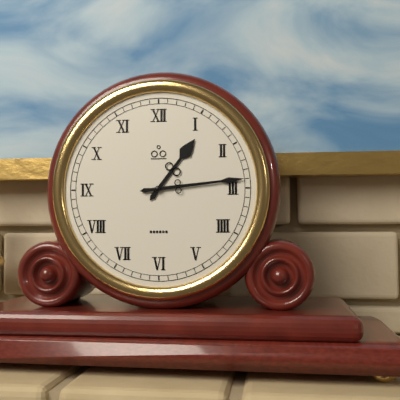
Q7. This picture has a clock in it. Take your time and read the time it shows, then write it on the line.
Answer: 1:14
